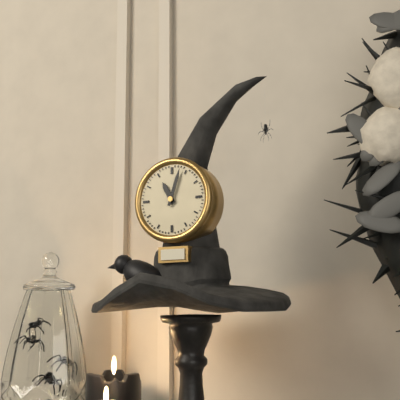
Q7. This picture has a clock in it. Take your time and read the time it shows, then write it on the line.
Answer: 11:03
